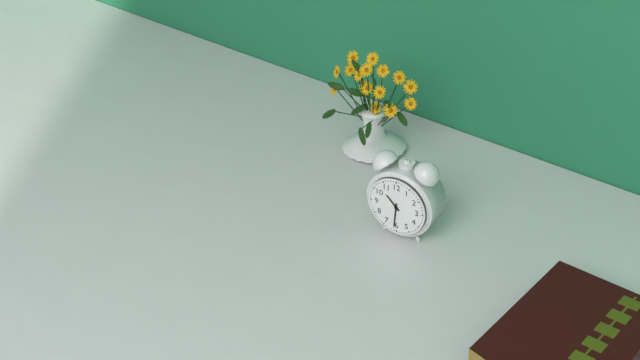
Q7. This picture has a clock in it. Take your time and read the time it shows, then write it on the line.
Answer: 10:31
